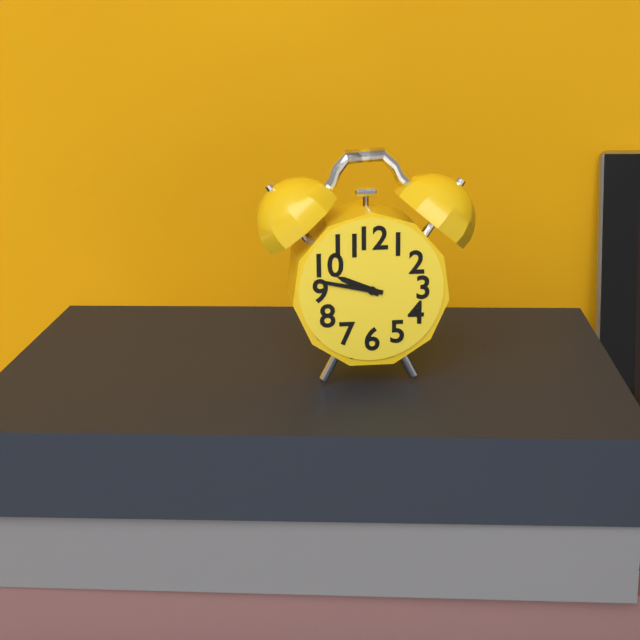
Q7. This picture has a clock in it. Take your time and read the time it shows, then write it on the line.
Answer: 9:47
